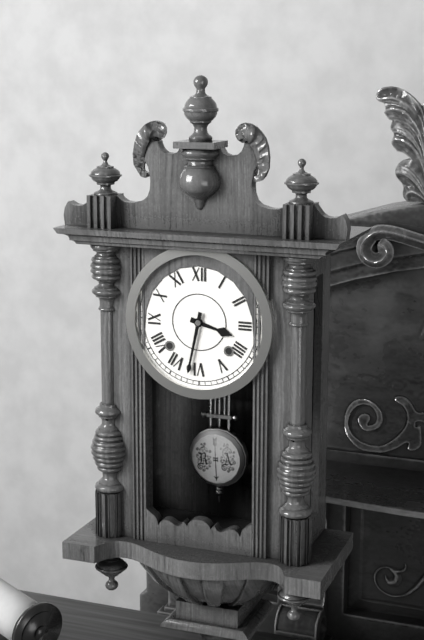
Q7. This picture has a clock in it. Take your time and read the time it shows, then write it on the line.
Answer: 3:32
